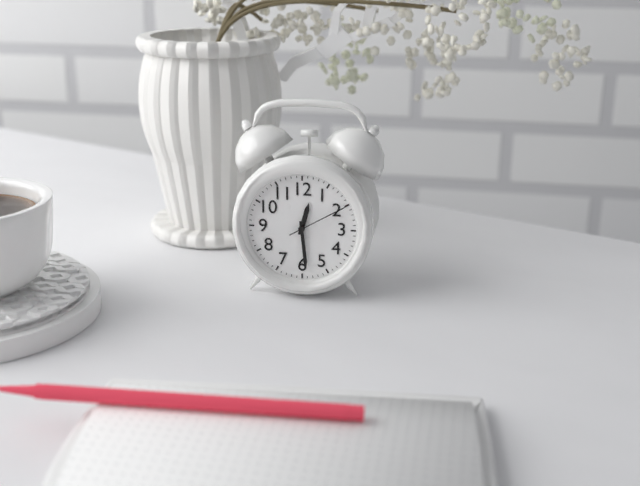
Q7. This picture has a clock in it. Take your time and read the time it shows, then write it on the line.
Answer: 12:29:10
